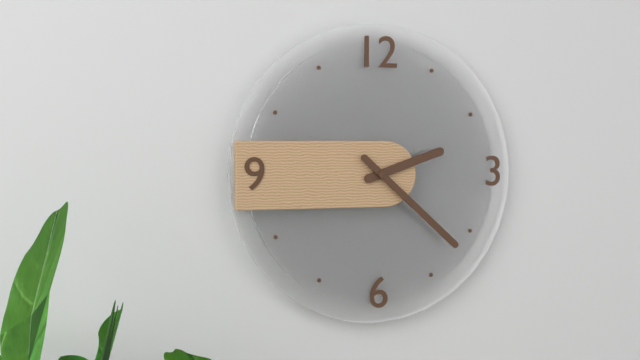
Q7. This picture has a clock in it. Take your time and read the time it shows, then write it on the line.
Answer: 2:22
